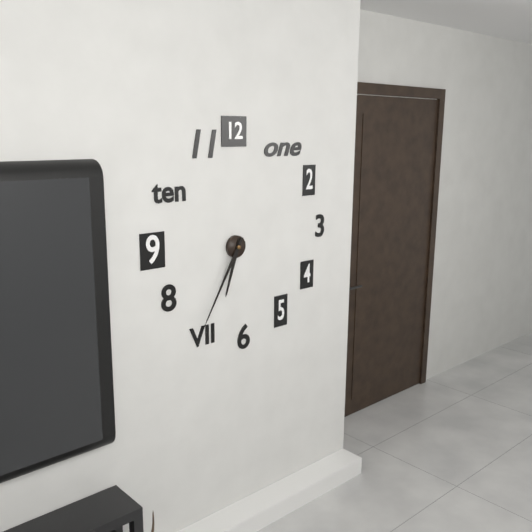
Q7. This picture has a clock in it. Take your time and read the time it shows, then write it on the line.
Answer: 6:35
